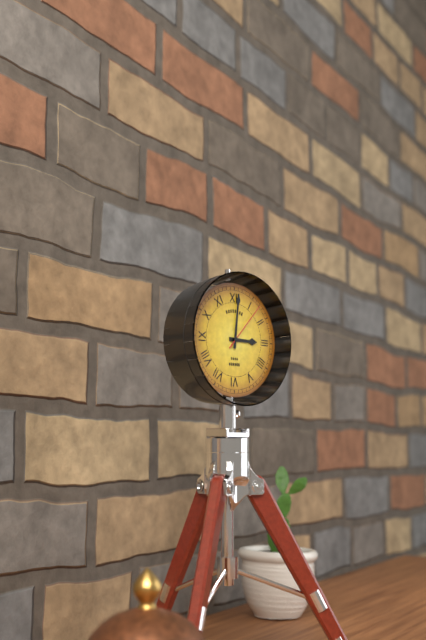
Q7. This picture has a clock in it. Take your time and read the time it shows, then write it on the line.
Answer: 3:01:07
